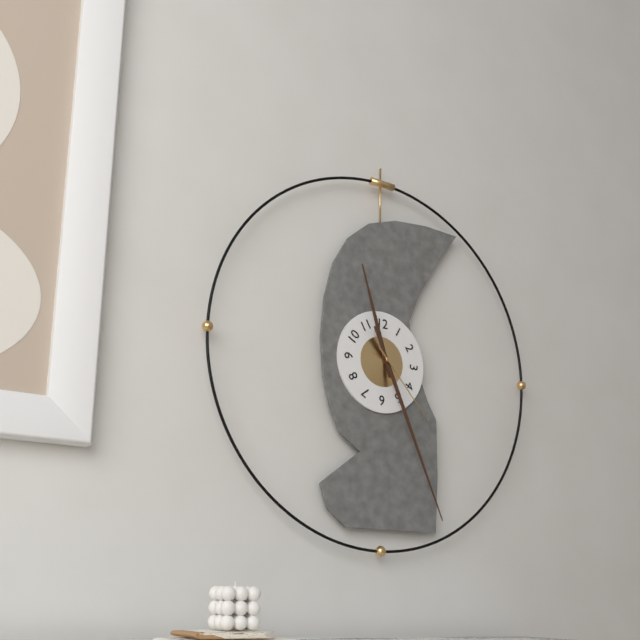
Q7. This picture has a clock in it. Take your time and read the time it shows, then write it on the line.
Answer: 11:26:23
